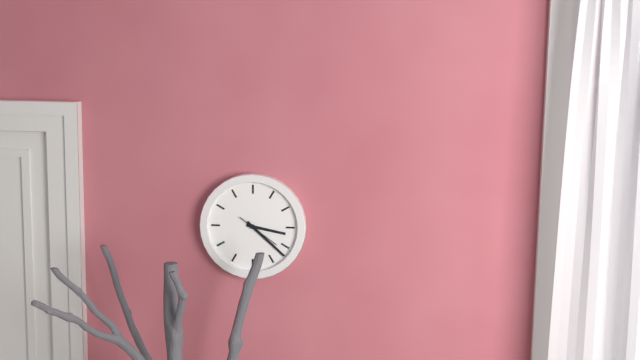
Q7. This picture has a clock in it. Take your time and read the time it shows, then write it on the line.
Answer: 3:22
